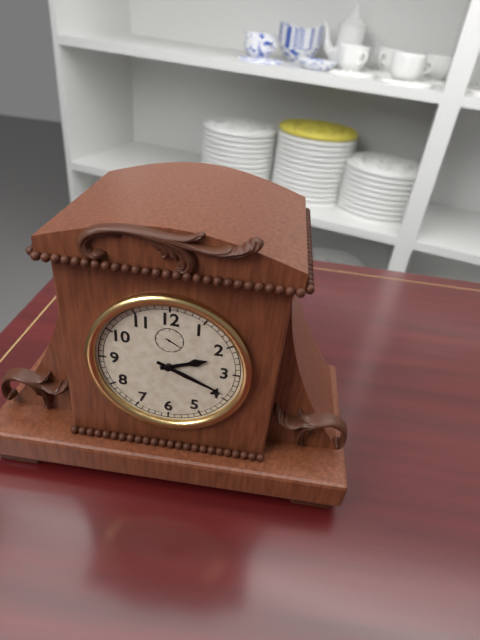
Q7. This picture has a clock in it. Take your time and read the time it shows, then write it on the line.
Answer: 2:19
